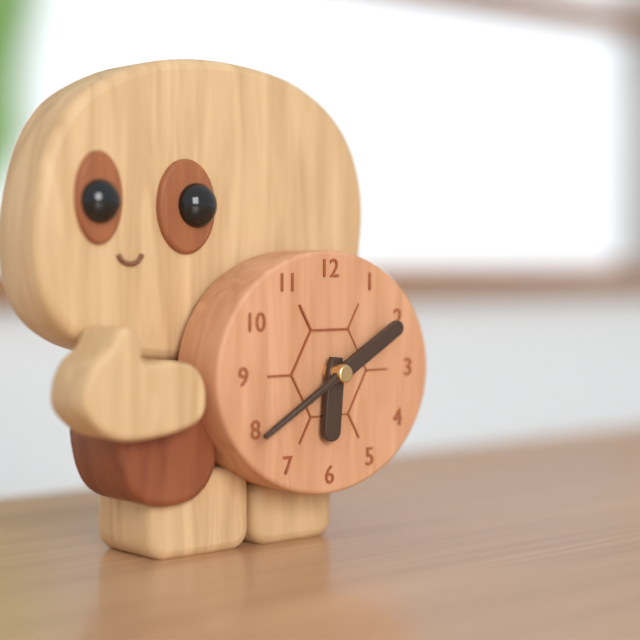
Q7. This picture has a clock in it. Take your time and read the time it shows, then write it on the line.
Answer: 6:10
